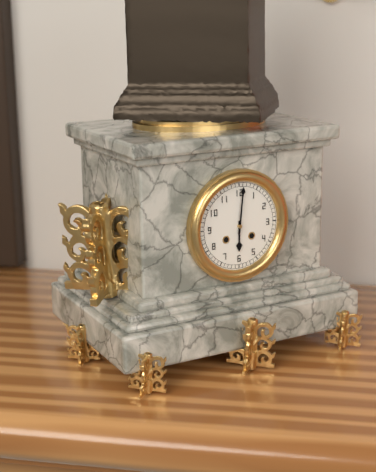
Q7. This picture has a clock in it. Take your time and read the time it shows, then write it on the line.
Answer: 6:01
